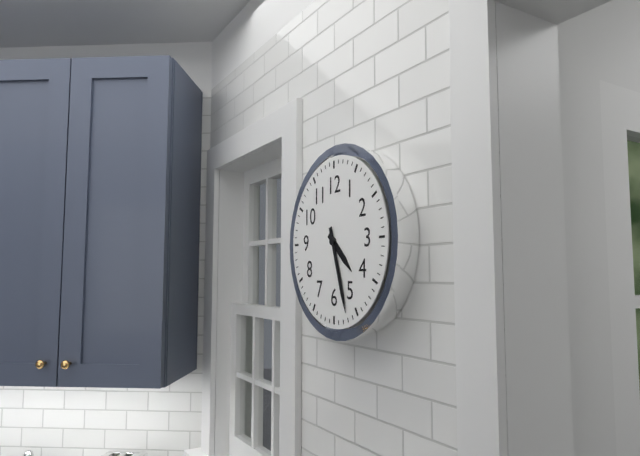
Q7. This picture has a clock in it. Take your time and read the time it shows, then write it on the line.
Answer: 4:27
